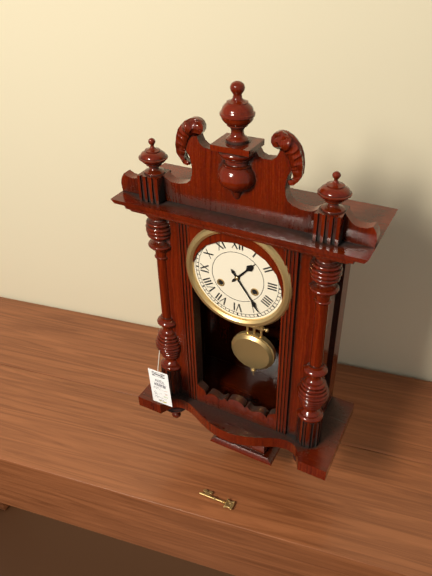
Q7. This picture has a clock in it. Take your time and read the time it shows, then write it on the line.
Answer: 1:24
